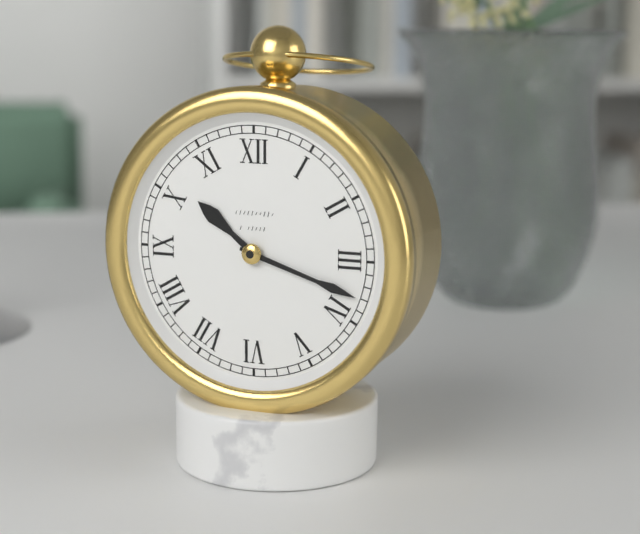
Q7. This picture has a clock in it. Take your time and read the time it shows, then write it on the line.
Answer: 10:18
